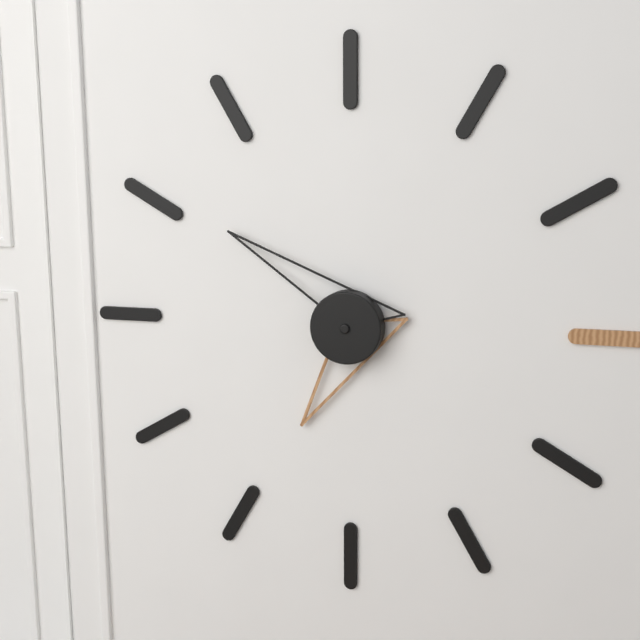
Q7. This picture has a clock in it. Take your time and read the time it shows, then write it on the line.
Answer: 6:51
